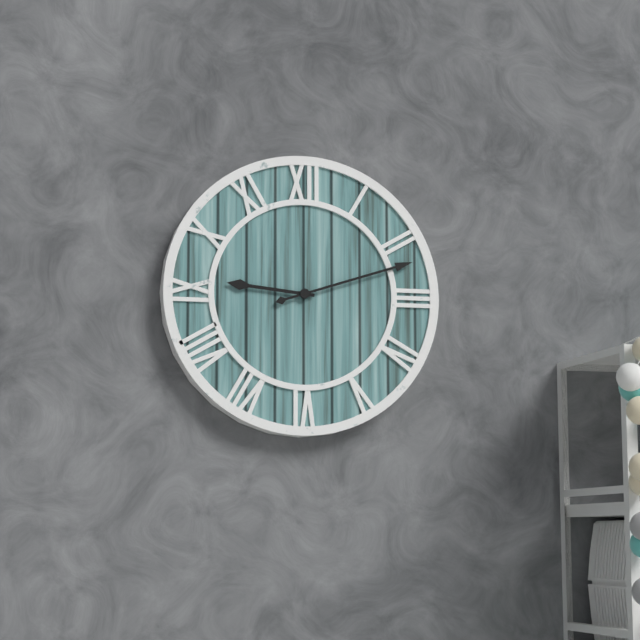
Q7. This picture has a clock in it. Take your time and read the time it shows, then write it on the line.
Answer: 9:12
